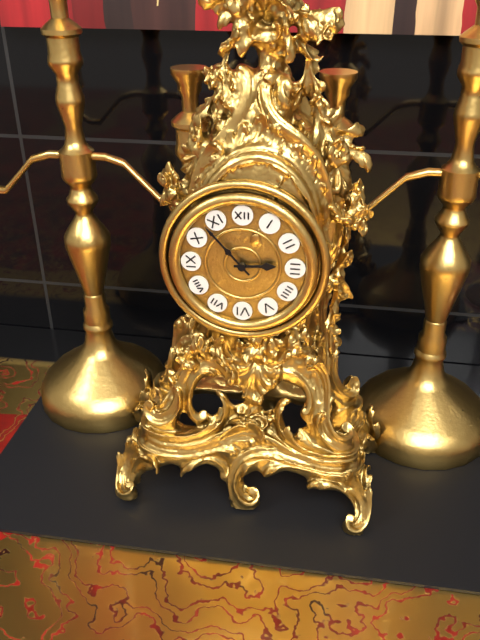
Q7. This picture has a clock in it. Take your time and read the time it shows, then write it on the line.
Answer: 2:53
